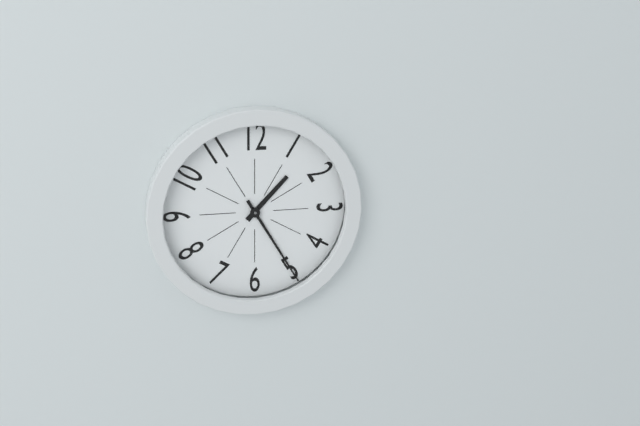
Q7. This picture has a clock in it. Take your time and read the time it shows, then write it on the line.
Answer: 1:25
